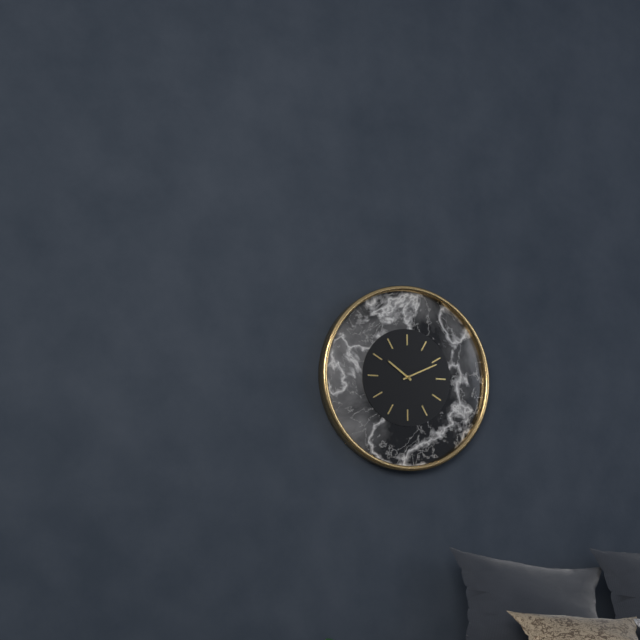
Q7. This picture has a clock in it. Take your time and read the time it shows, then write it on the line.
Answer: 10:11
